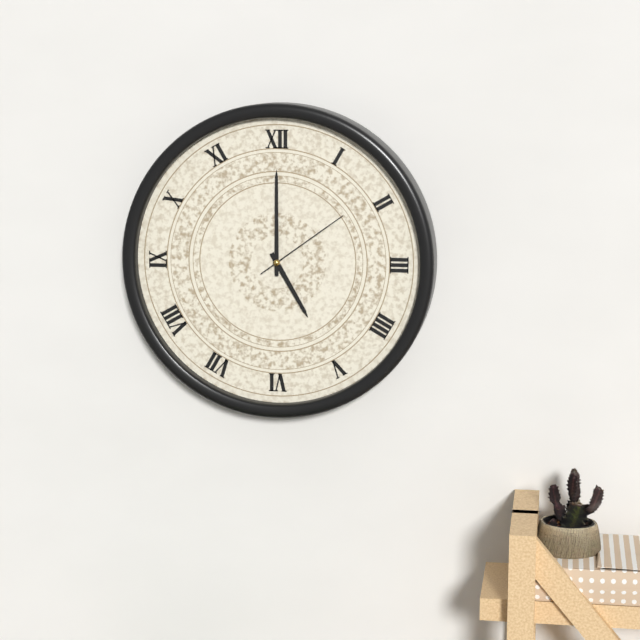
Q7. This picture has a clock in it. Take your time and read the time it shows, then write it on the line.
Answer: 5:00:09
